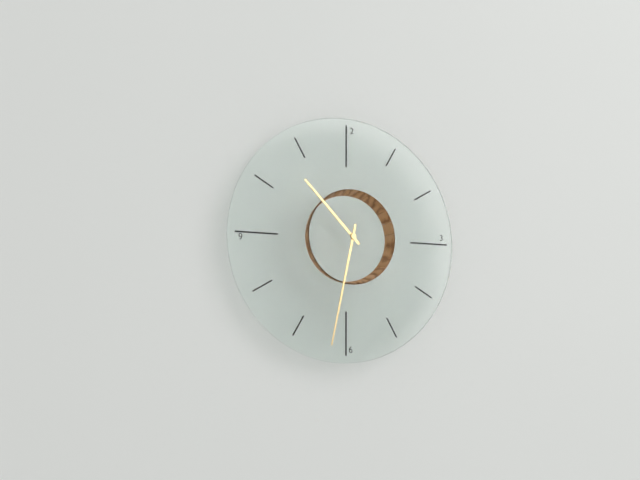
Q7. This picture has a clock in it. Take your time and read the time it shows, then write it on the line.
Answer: 10:32
